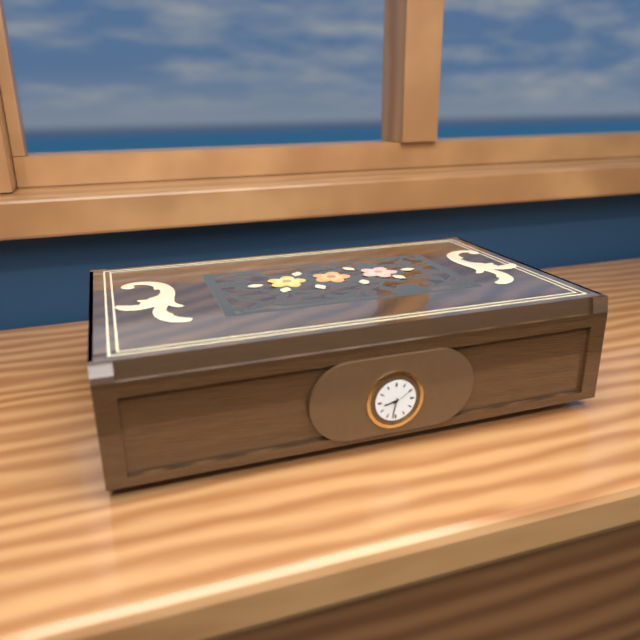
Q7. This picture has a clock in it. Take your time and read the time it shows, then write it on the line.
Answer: 8:32:10
